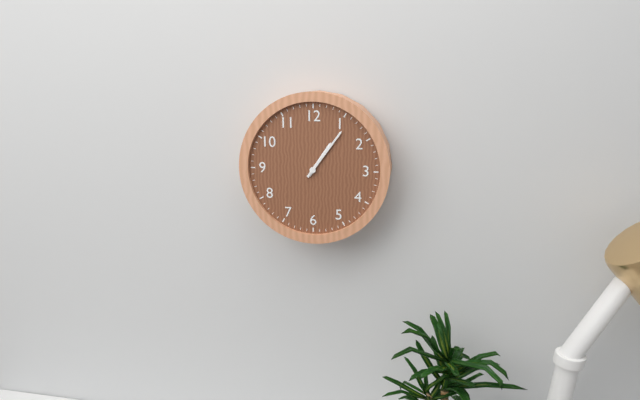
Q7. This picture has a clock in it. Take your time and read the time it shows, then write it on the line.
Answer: 1:06
